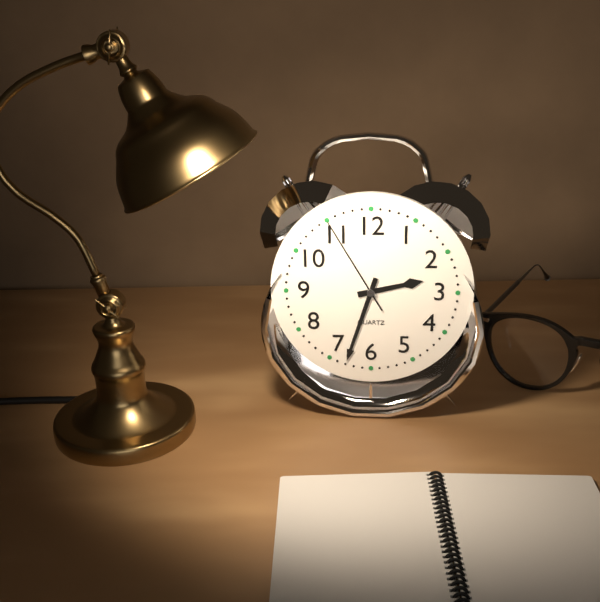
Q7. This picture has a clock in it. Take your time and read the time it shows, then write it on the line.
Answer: 2:33:55
